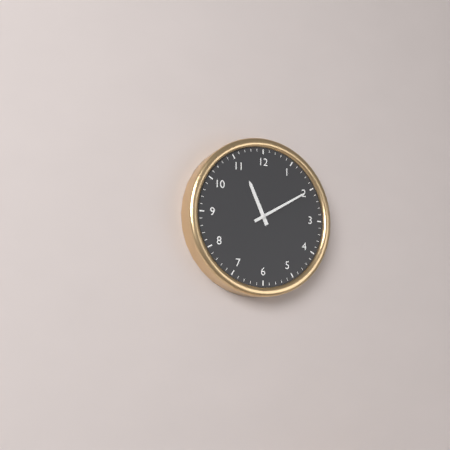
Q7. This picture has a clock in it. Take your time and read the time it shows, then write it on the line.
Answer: 11:10
